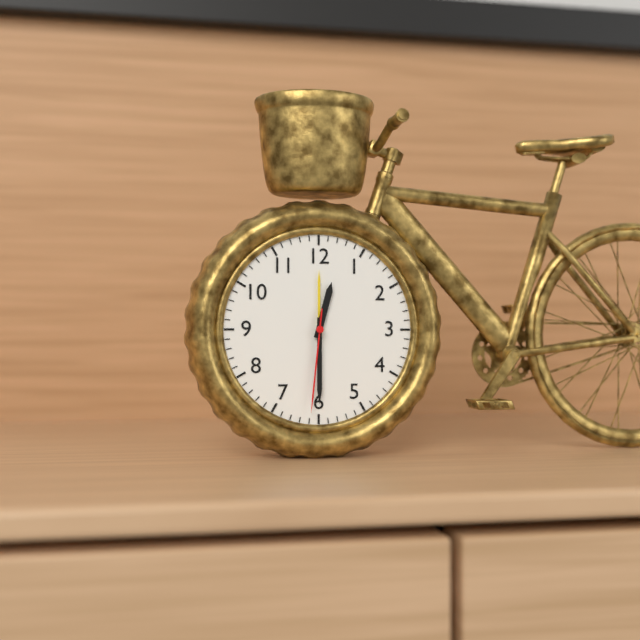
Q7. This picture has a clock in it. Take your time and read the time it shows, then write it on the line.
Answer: 12:30:31
